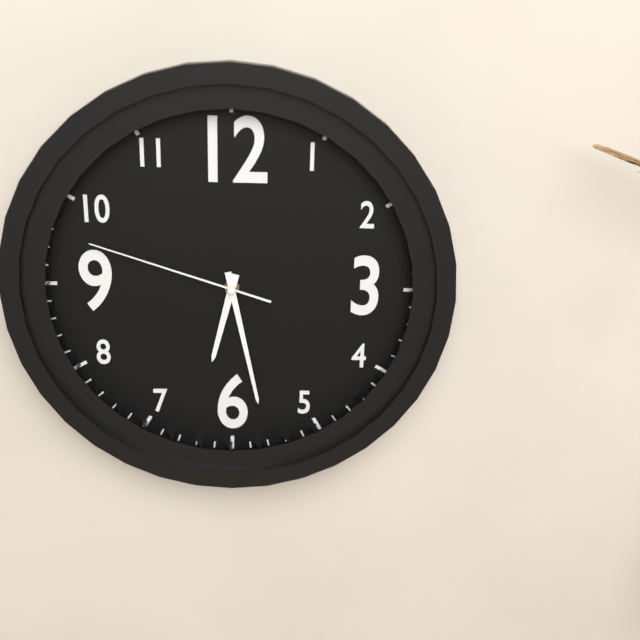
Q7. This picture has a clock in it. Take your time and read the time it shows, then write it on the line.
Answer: 6:28:48
